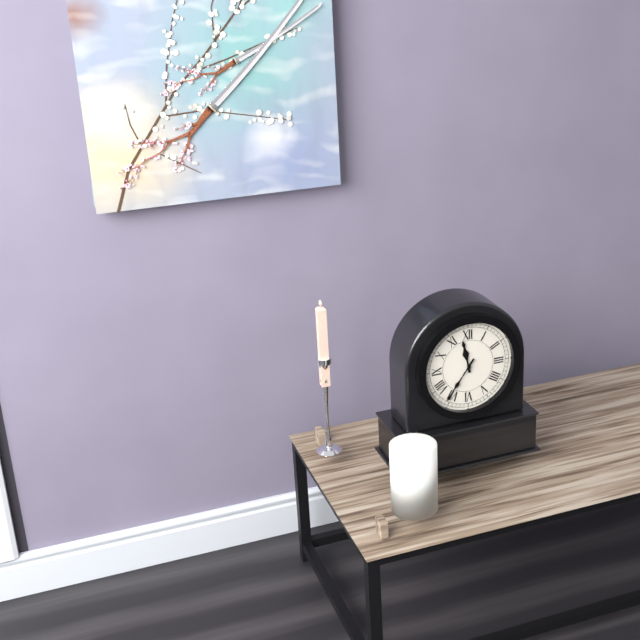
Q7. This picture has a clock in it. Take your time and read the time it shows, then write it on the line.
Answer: 11:36
